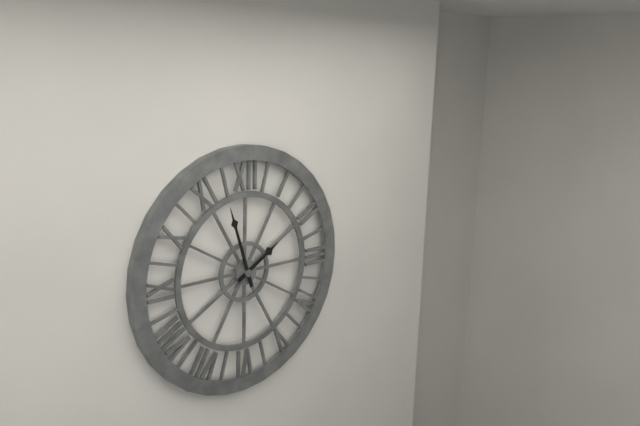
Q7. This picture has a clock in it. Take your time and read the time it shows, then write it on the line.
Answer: 1:57
